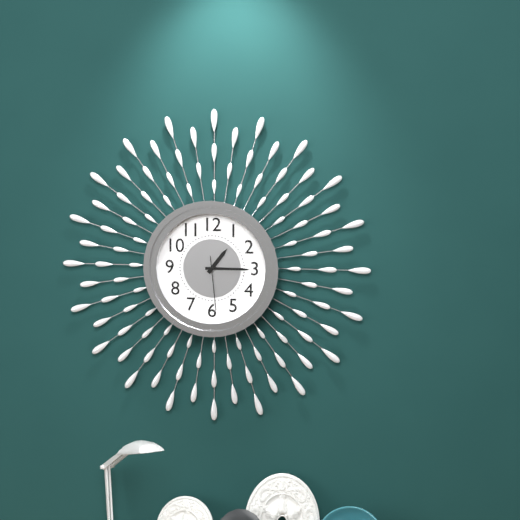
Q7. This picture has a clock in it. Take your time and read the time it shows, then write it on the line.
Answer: 1:15:29
